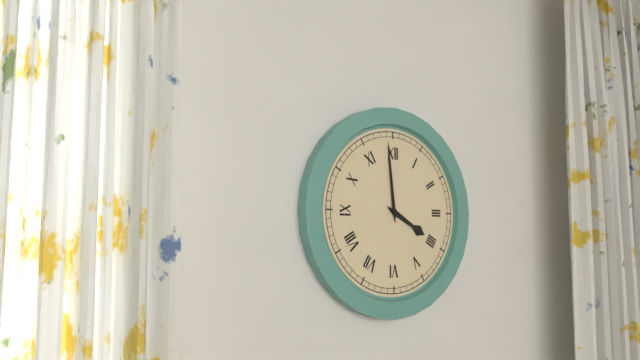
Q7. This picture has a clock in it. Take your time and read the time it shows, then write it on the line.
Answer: 3:59
